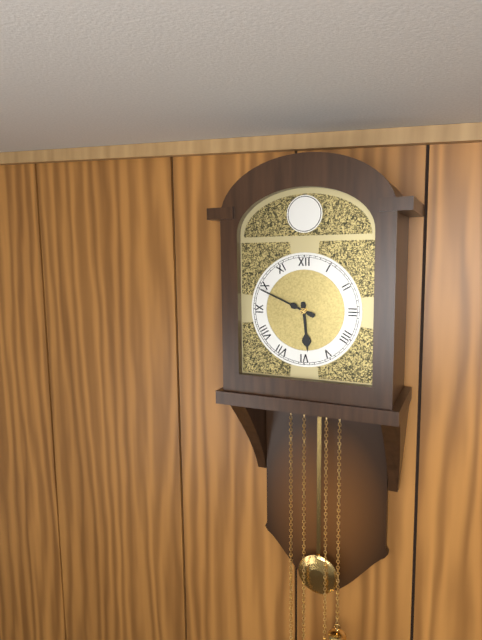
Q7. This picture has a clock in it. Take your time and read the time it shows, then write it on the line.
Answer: 5:49
